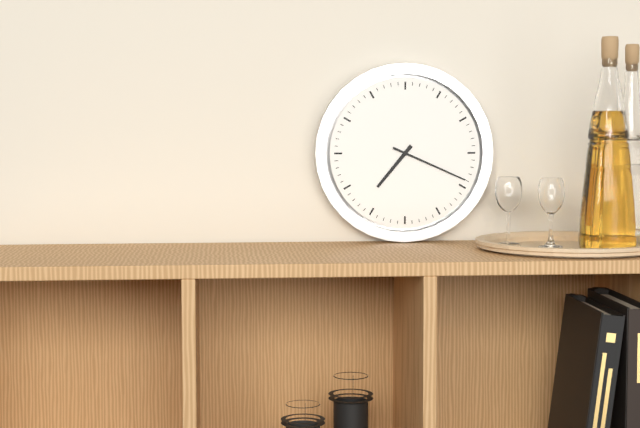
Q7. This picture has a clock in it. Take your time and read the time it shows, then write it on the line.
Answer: 7:19
